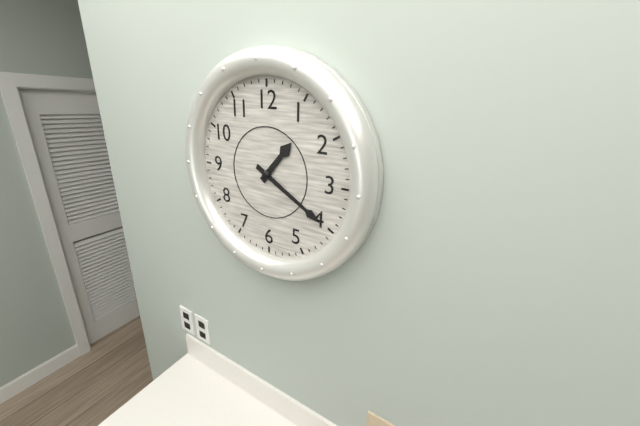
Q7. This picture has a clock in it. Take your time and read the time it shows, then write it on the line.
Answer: 1:20
